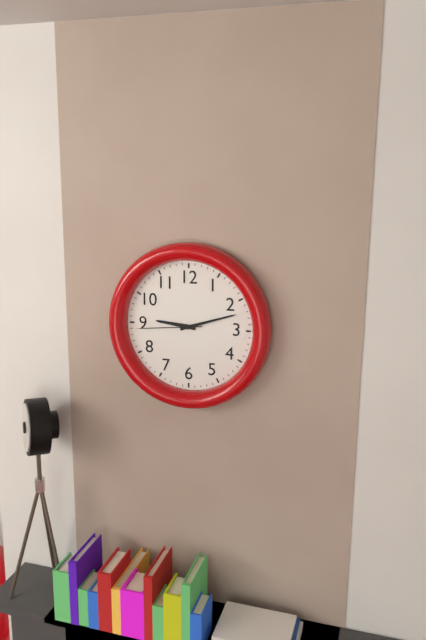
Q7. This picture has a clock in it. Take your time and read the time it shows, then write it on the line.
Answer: 9:12:44
